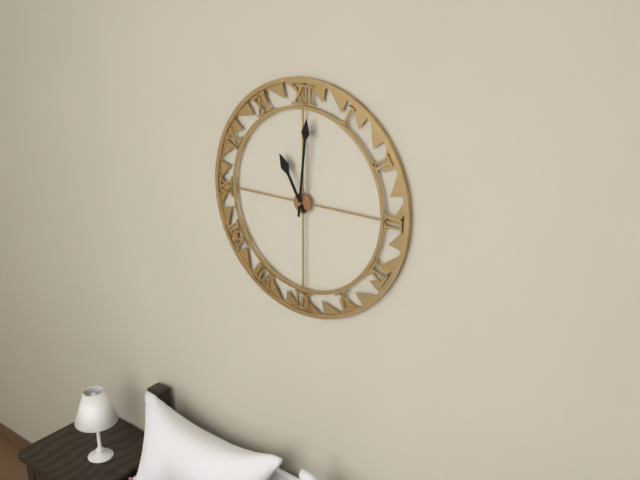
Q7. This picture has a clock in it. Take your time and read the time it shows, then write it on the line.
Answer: 11:01
